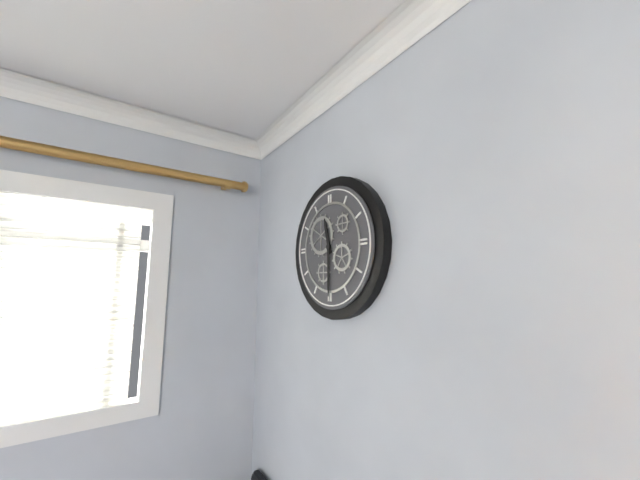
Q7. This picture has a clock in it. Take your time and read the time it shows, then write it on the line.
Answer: 11:30
